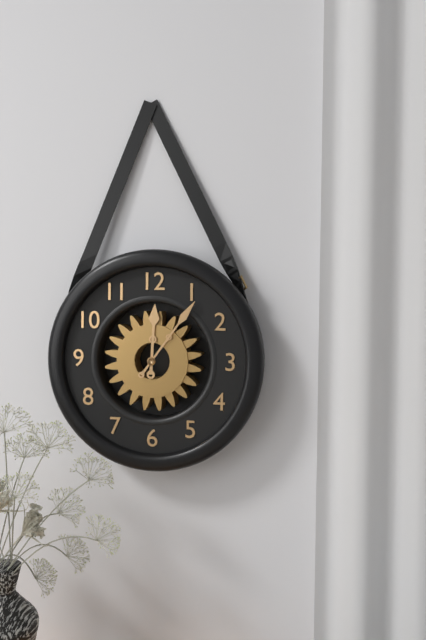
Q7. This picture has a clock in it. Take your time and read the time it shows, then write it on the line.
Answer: 12:06
